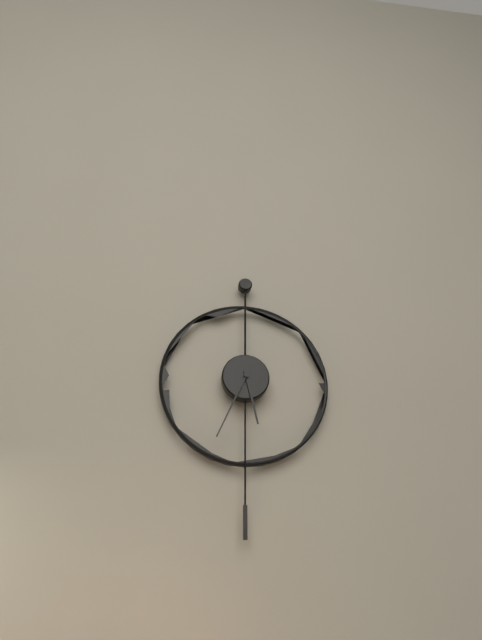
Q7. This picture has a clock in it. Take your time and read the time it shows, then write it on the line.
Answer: 5:34
